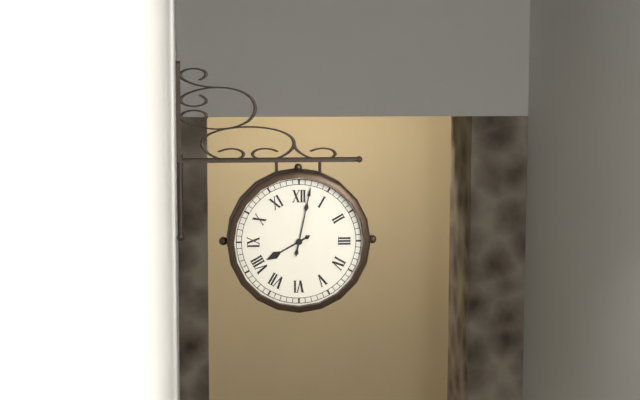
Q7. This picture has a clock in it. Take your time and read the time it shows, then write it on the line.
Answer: 8:02
